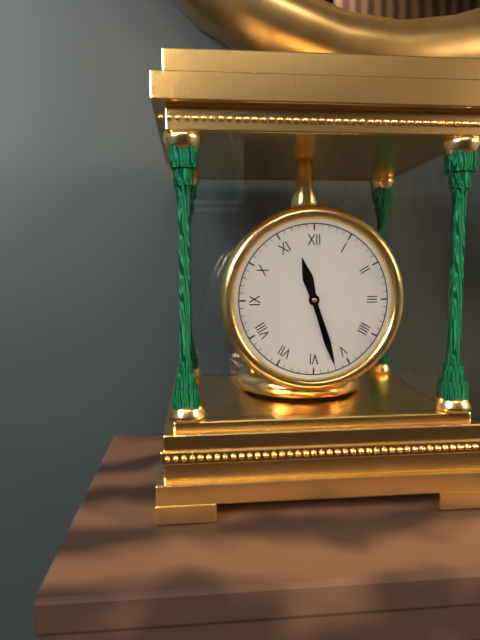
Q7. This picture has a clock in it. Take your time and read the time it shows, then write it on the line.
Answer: 11:27
